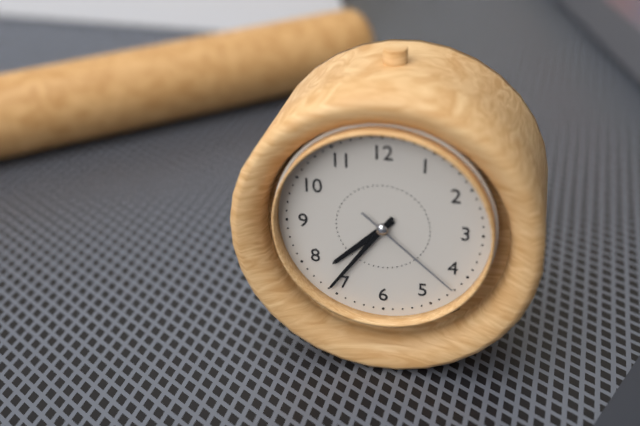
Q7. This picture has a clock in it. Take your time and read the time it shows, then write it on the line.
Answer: 7:36:22
